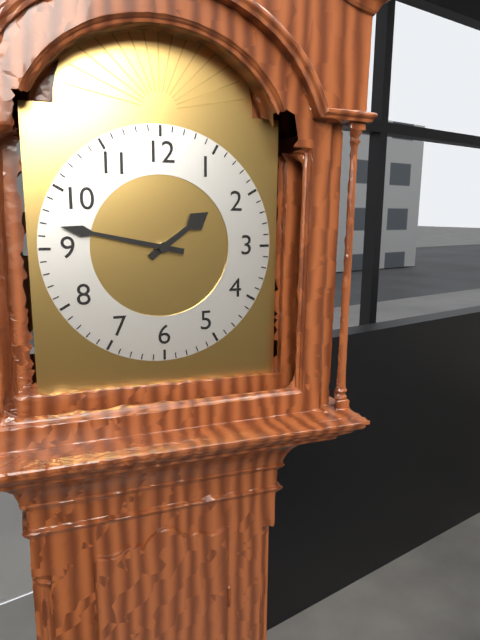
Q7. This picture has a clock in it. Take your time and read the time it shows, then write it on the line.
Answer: 1:47
